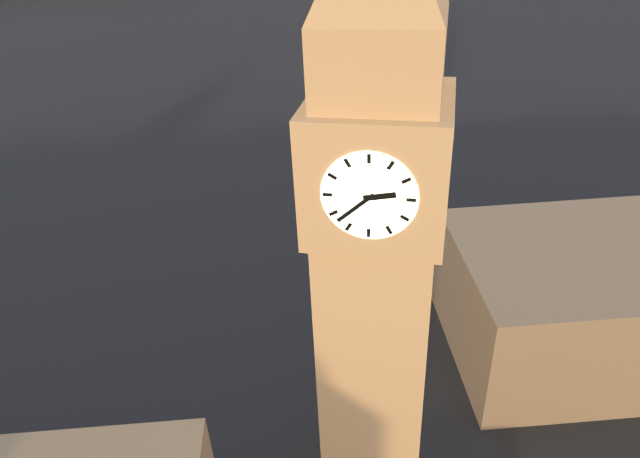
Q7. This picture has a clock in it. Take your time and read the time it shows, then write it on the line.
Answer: 2:38
